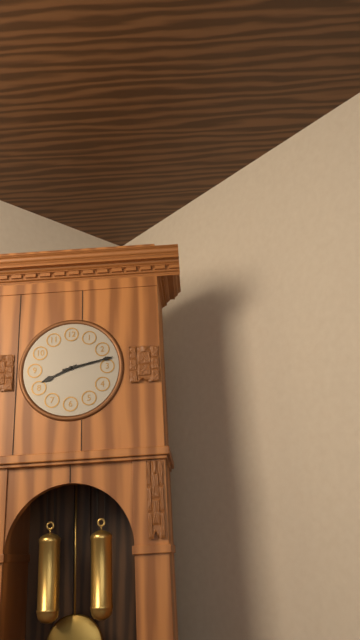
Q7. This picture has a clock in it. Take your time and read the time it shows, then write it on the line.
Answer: 8:13
